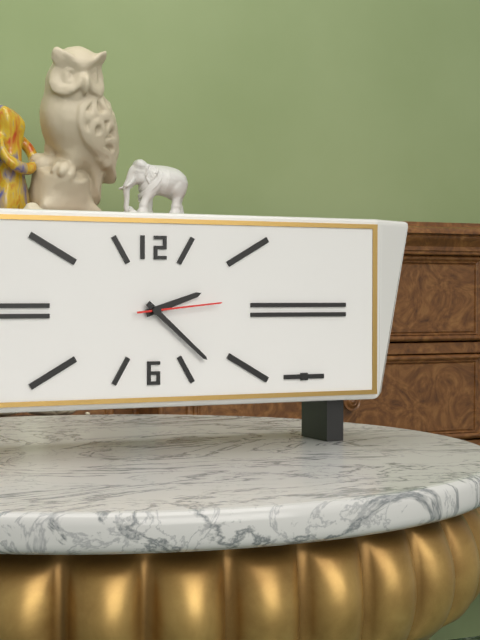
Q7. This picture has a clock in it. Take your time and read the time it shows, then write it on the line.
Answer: 2:22:14
